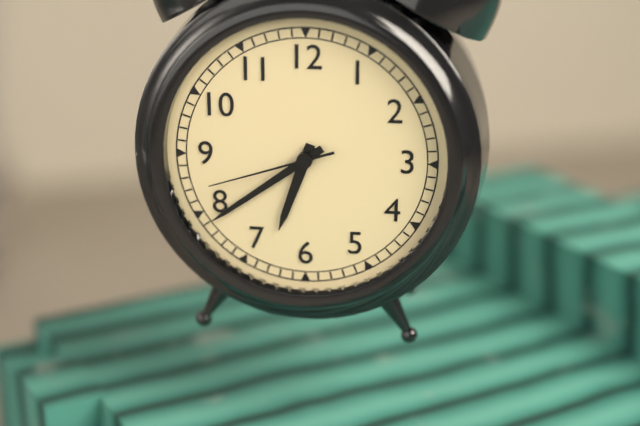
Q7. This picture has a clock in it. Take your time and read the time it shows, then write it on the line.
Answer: 6:39:42
